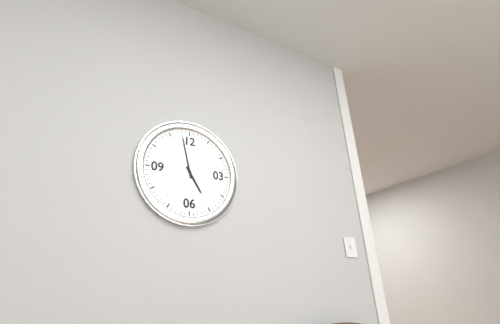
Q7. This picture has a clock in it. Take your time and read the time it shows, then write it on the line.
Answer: 4:58
